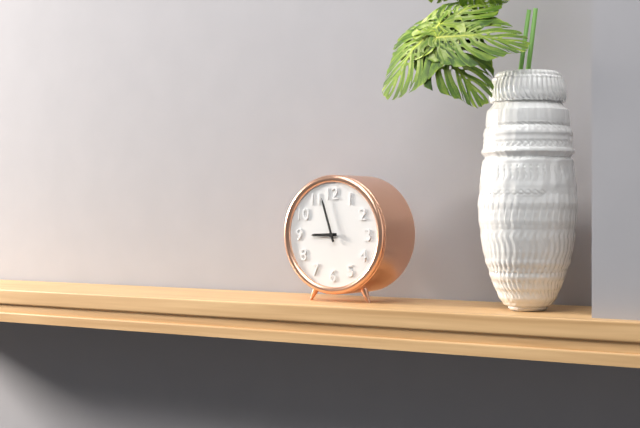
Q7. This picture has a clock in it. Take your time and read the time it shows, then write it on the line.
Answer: 8:57
